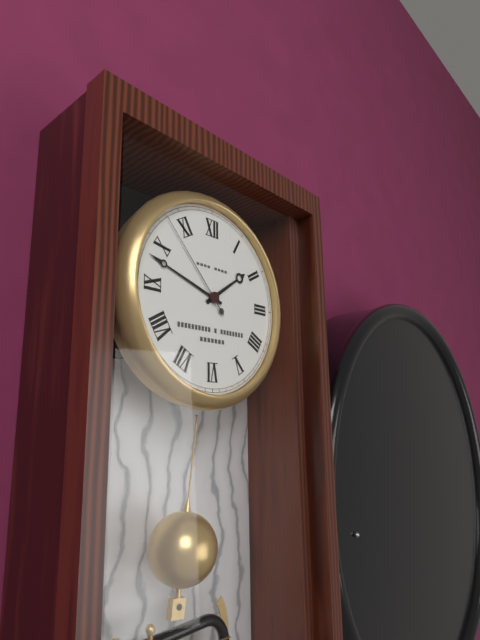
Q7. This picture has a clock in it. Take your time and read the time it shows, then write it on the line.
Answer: 1:48:53
